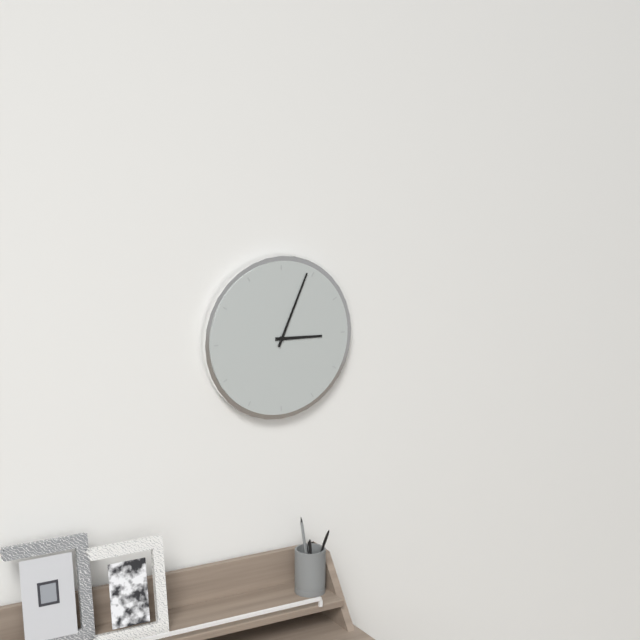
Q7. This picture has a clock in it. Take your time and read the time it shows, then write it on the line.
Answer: 3:04
